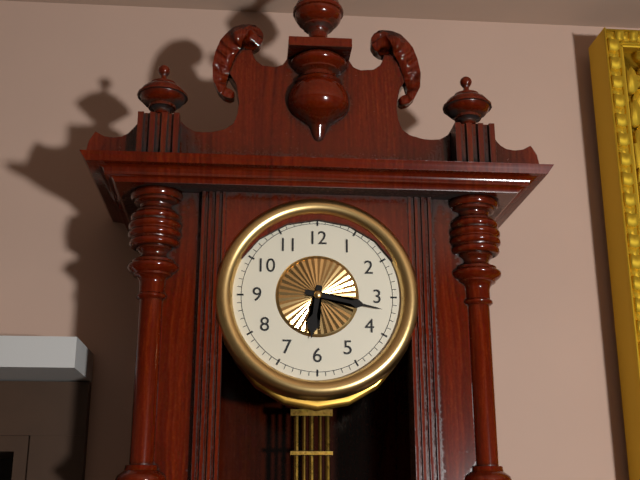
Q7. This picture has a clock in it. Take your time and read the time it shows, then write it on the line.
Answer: 6:17
